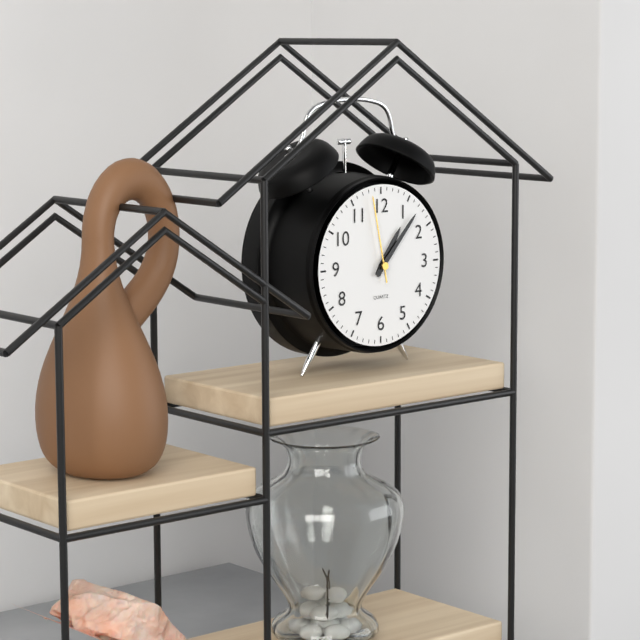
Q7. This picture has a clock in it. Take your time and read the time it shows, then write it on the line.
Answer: 1:07:58
